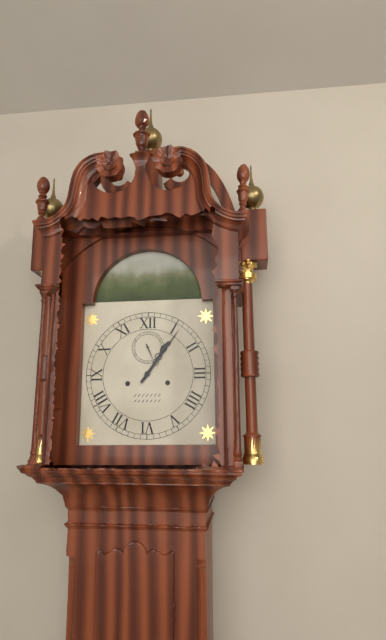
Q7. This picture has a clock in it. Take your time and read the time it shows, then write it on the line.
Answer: 1:06
